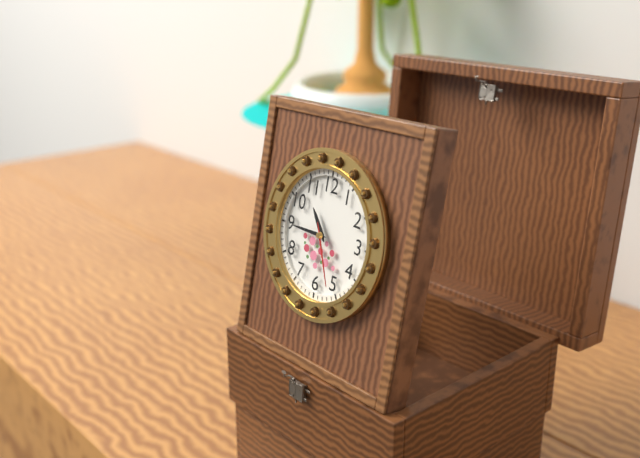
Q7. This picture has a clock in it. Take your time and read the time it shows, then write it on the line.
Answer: 10:45:26
